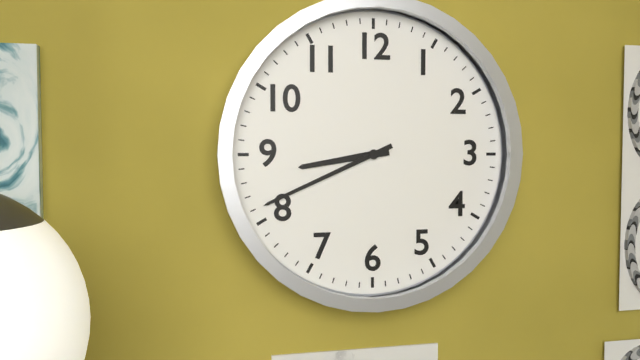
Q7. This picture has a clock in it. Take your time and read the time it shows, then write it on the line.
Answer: 8:41
